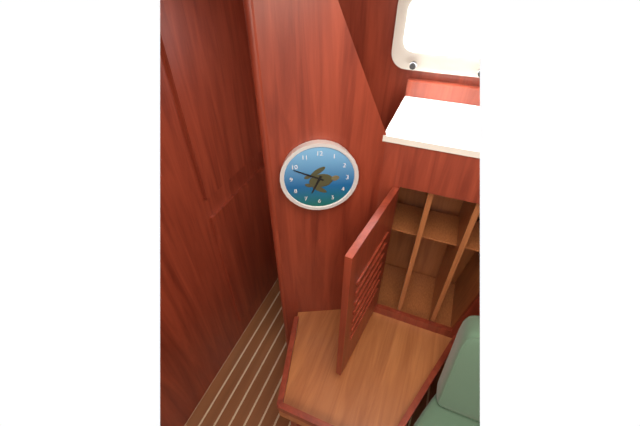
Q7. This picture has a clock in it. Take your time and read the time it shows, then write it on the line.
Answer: 6:49
